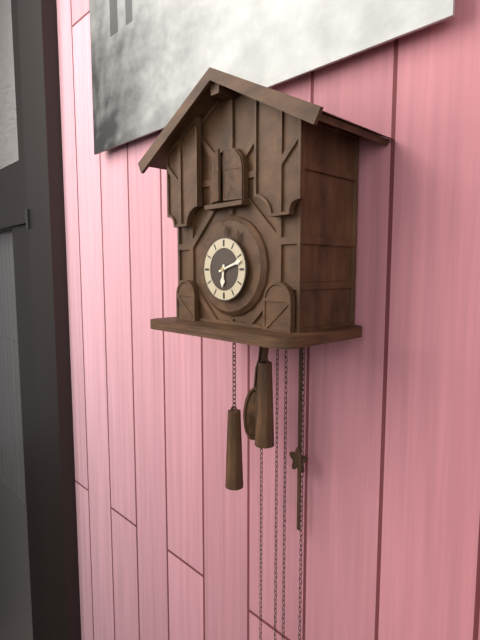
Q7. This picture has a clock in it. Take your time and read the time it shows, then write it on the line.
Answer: 6:12
